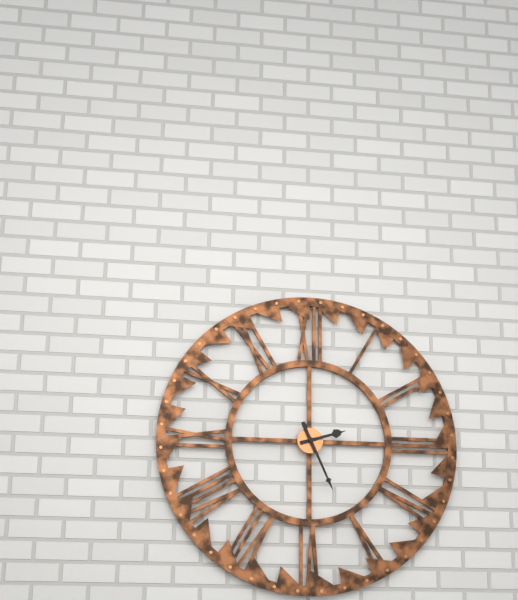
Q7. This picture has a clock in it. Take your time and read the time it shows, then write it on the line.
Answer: 2:26
